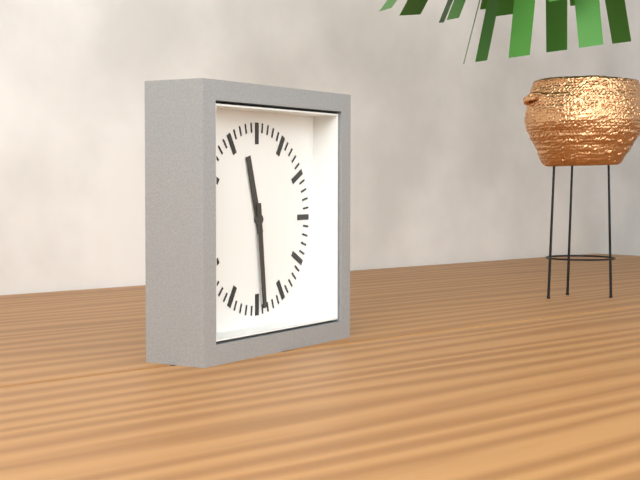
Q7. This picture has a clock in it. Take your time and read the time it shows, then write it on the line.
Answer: 11:29
